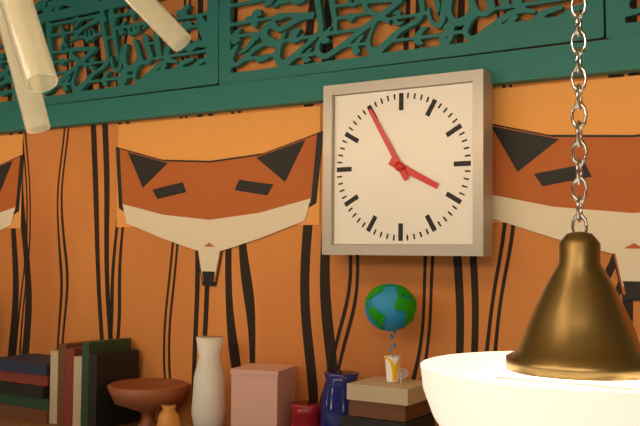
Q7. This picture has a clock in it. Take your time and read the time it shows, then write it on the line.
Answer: 3:55
